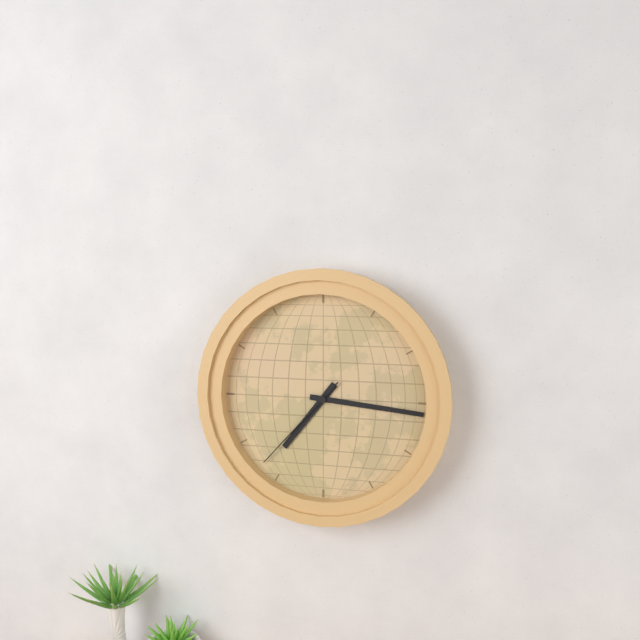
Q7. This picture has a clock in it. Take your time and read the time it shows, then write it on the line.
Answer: 7:16:37
